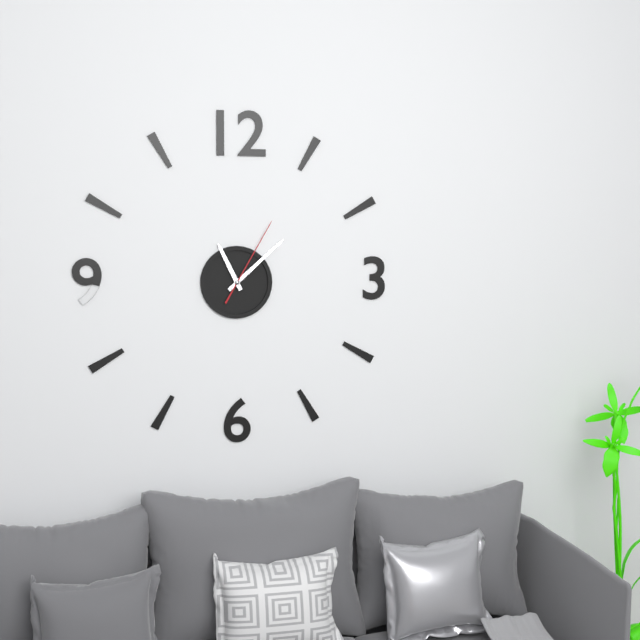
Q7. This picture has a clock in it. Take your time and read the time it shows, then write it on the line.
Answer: 11:08:05
